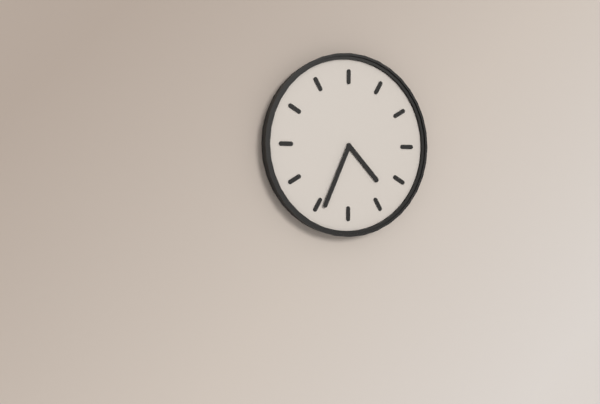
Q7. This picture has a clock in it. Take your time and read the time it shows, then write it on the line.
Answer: 4:34
